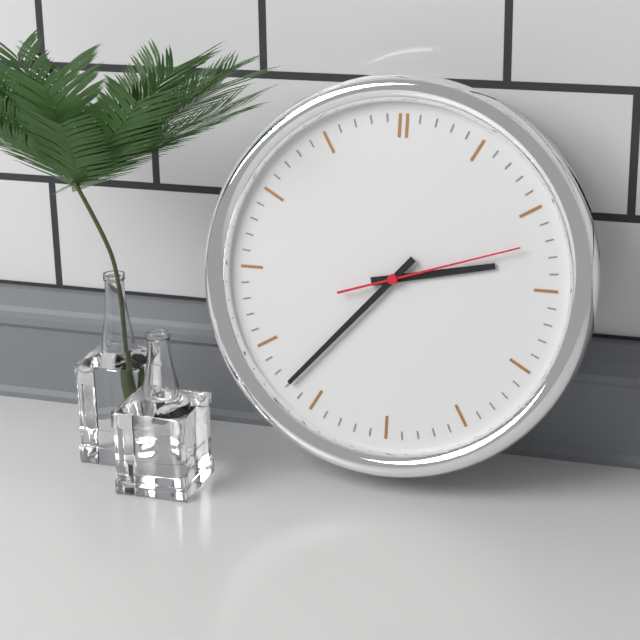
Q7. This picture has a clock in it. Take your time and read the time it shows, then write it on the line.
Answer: 2:37:12
